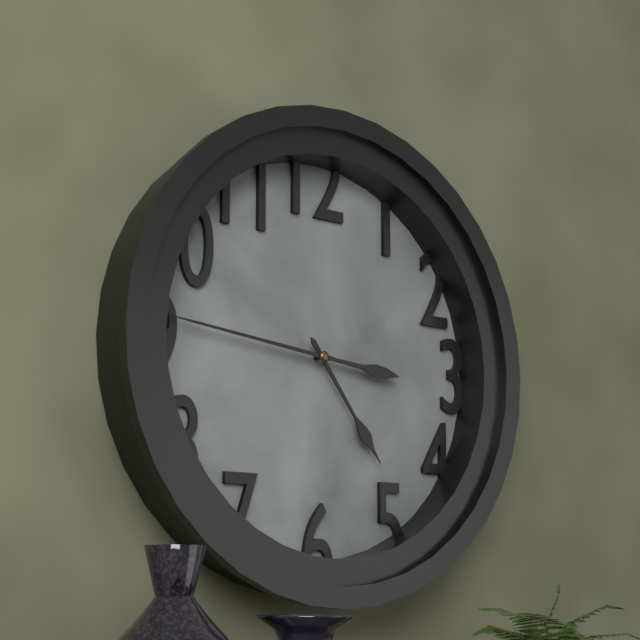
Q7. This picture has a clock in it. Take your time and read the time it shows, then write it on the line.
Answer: 4:46
